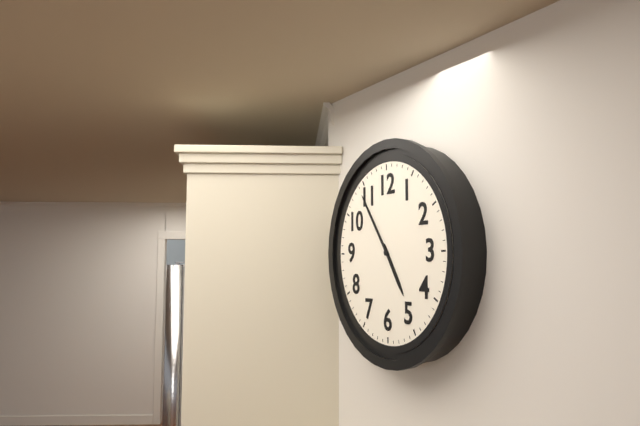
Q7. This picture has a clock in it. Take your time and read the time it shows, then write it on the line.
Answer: 4:54
